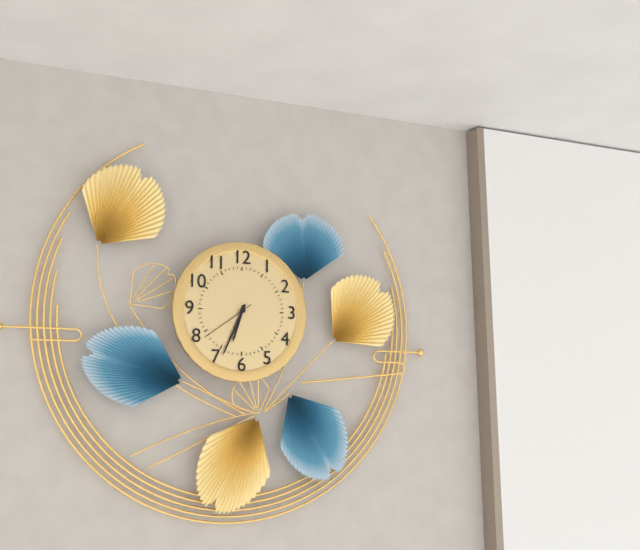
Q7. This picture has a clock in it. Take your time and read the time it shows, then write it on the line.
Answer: 6:34:39
